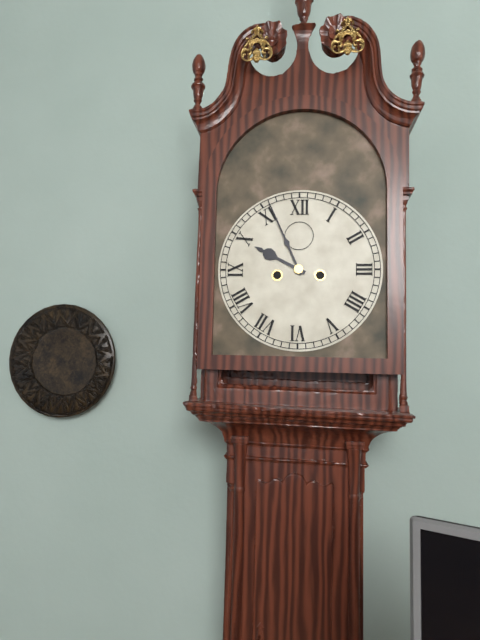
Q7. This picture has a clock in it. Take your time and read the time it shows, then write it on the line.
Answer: 9:56
